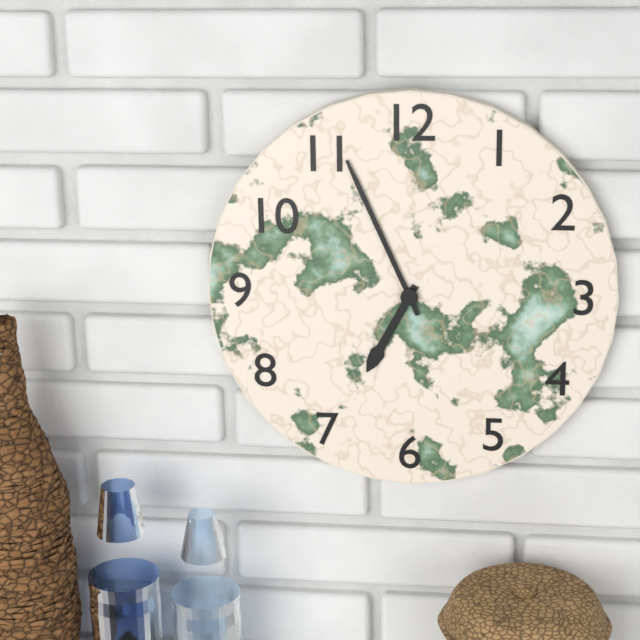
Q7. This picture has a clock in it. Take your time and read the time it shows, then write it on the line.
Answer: 6:56
